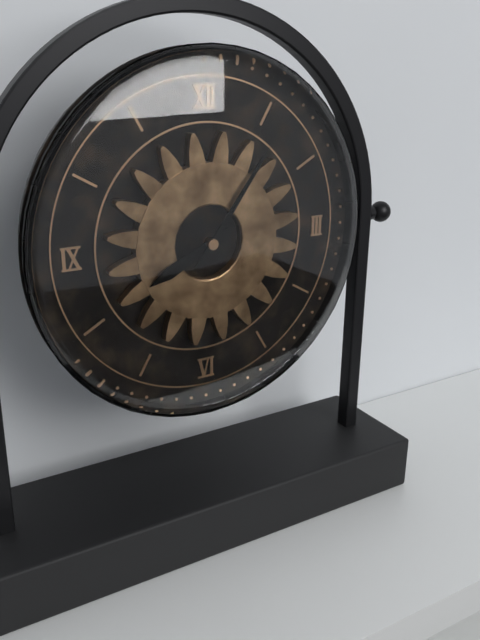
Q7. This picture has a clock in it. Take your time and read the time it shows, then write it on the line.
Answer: 8:06
